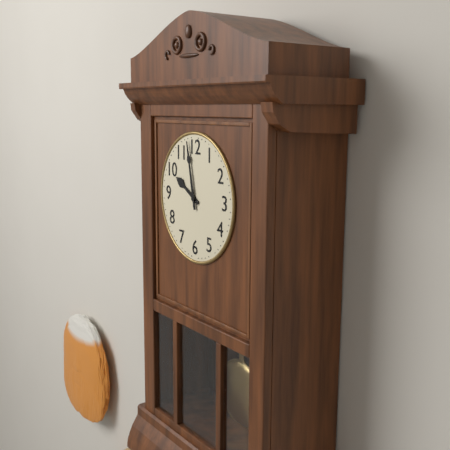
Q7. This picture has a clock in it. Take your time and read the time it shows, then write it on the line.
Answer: 9:58
